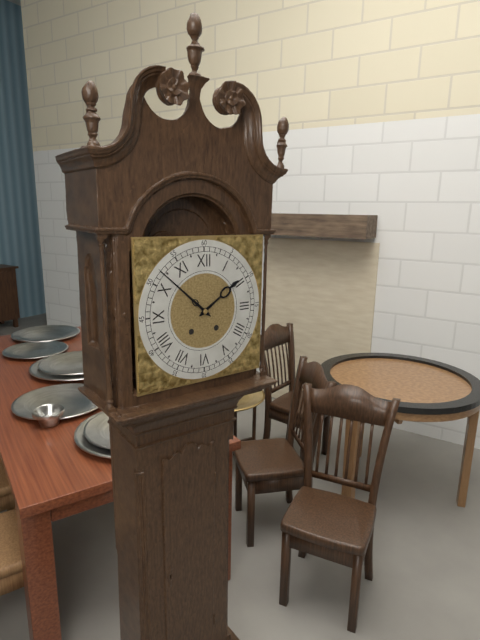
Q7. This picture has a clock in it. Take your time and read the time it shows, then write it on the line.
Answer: 1:52
